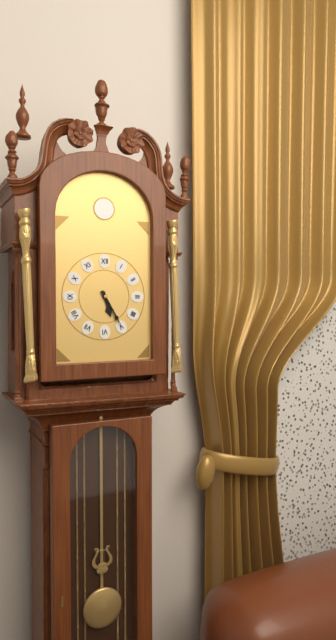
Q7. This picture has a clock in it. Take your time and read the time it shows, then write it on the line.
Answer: 5:25
